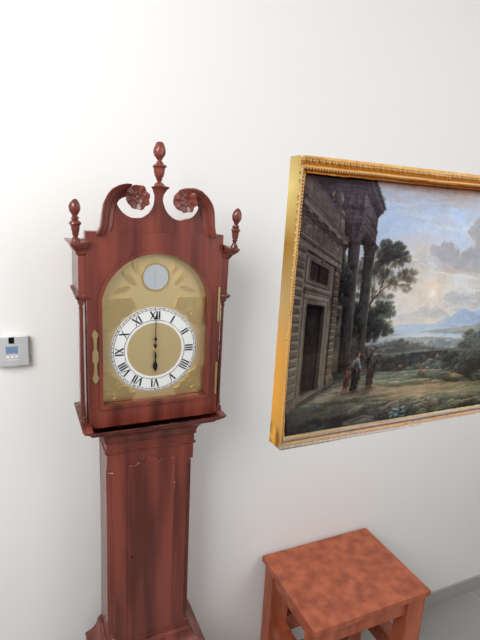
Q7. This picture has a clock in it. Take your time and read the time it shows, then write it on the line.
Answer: 6:00
